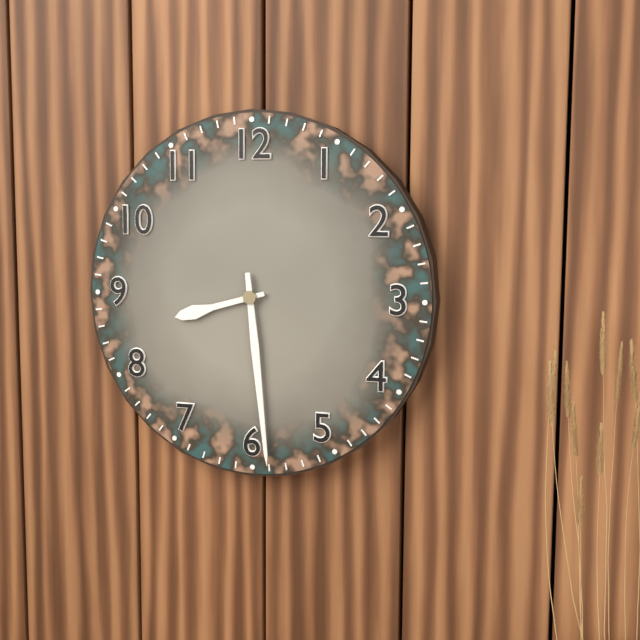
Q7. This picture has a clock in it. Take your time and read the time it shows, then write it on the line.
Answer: 8:29
